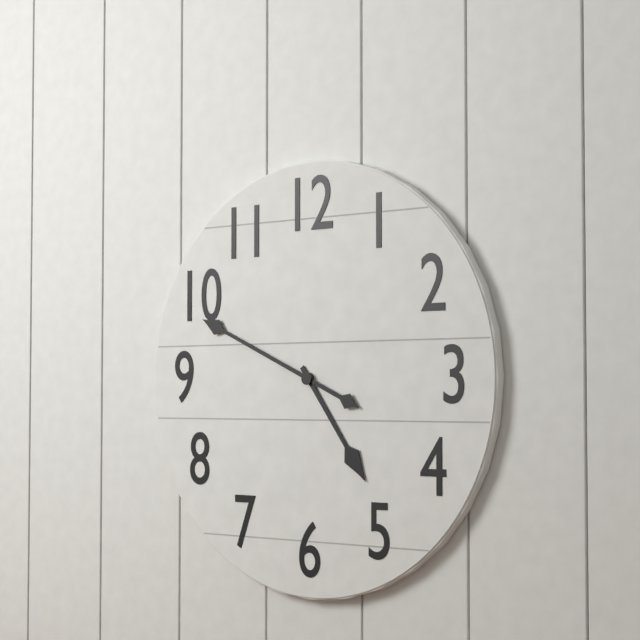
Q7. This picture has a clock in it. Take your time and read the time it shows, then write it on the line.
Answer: 4:49
